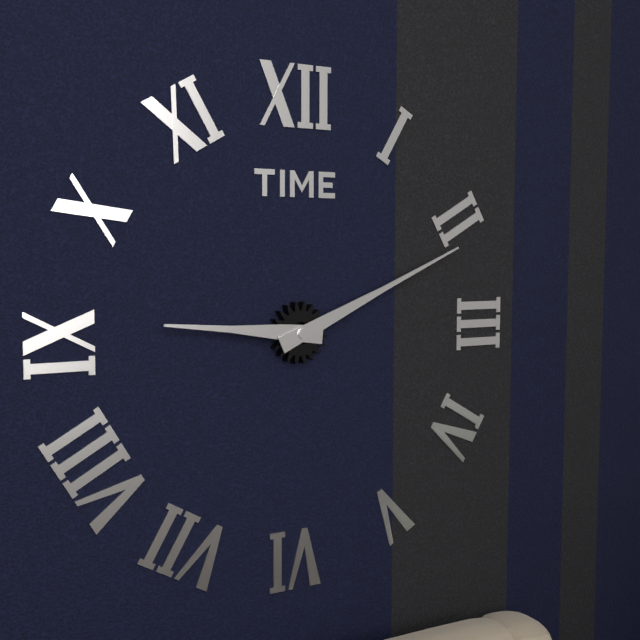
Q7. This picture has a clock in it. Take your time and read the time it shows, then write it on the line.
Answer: 9:11
